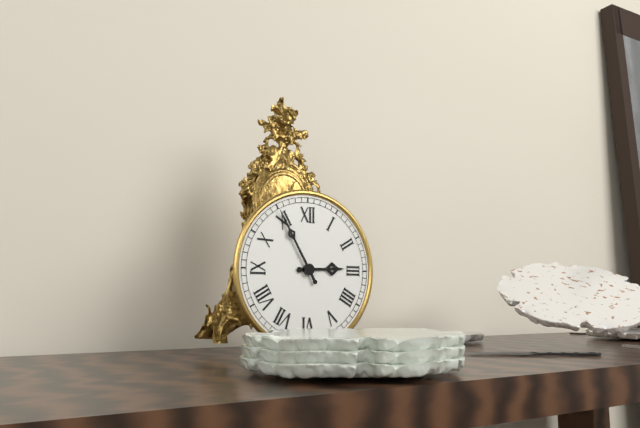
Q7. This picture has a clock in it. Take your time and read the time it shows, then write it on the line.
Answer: 2:55
